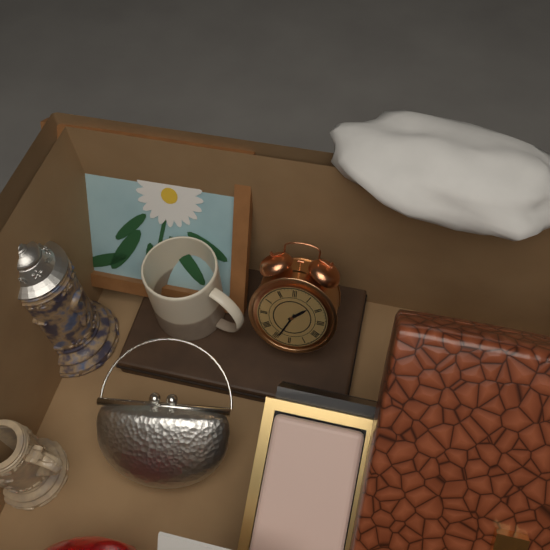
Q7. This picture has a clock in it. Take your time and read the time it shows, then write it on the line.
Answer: 1:34
